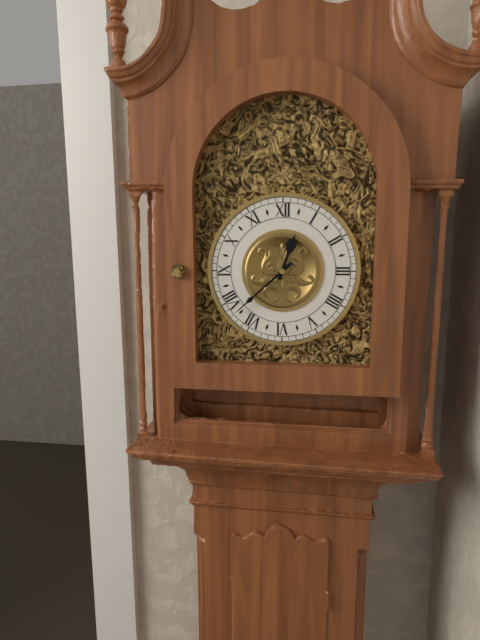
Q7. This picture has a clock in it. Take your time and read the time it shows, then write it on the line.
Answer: 12:38
